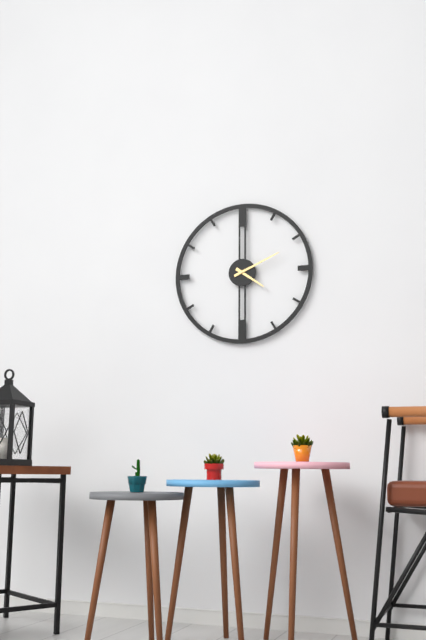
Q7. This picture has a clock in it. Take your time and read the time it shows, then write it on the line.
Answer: 4:11
